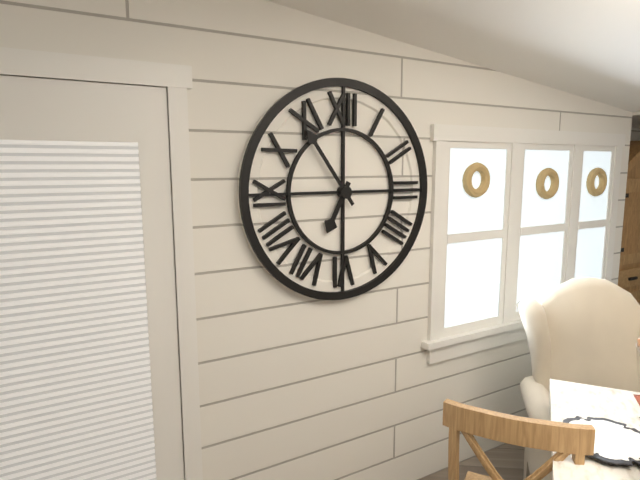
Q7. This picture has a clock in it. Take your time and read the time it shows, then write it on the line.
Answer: 6:54
